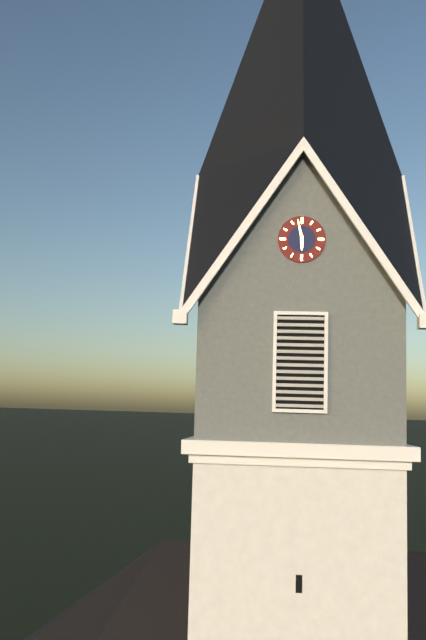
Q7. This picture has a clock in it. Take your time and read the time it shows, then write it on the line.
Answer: 5:58
